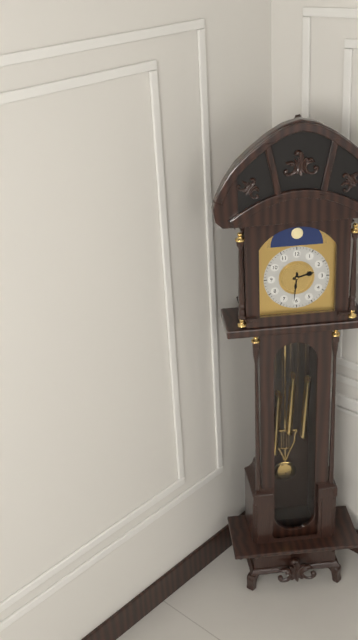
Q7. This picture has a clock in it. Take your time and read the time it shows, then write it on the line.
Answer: 2:31
